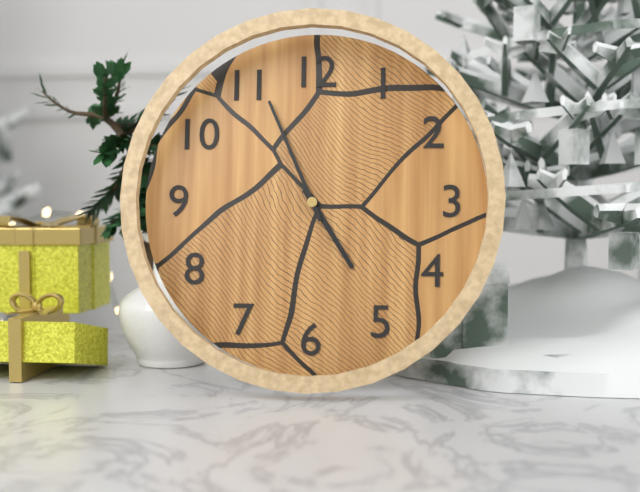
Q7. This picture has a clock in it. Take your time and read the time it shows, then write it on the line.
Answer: 4:56
